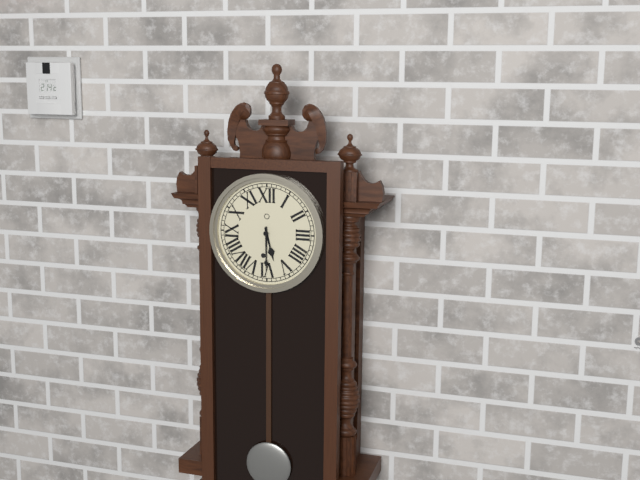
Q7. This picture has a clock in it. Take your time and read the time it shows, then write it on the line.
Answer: 5:30
